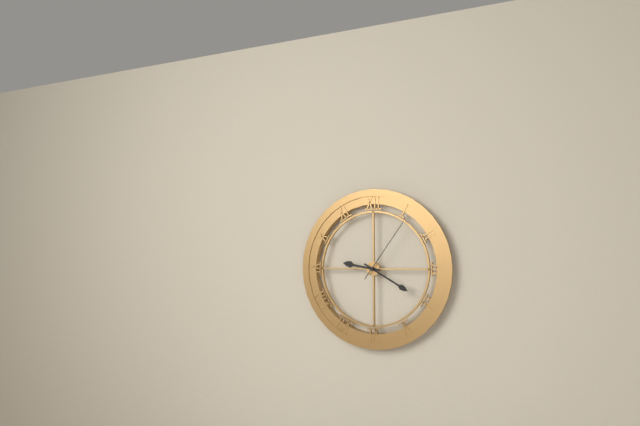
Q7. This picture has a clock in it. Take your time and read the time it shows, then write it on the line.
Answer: 9:20:06
